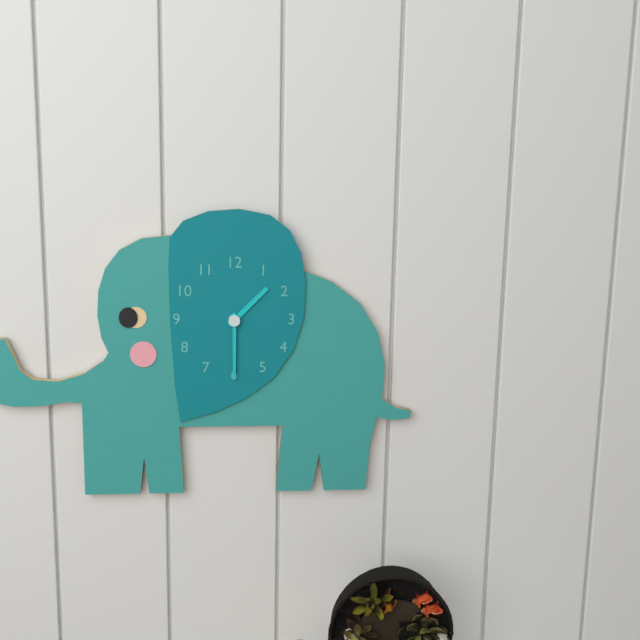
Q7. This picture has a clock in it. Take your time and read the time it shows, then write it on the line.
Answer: 1:30
